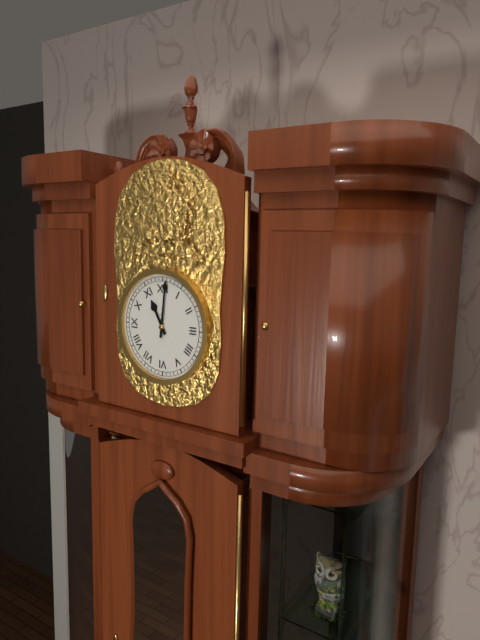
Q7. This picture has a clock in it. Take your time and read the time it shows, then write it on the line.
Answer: 11:01
